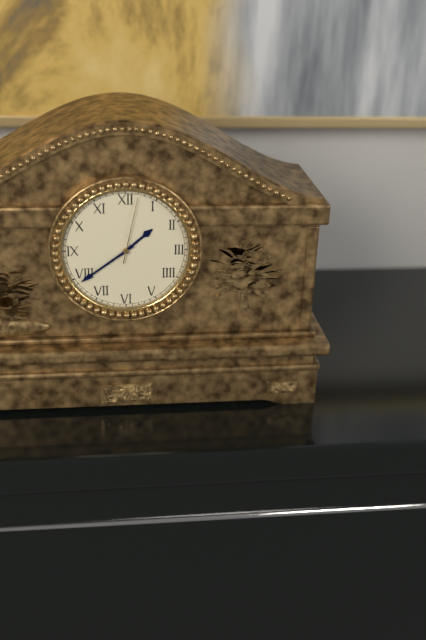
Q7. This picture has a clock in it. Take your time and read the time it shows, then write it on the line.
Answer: 1:39:02
